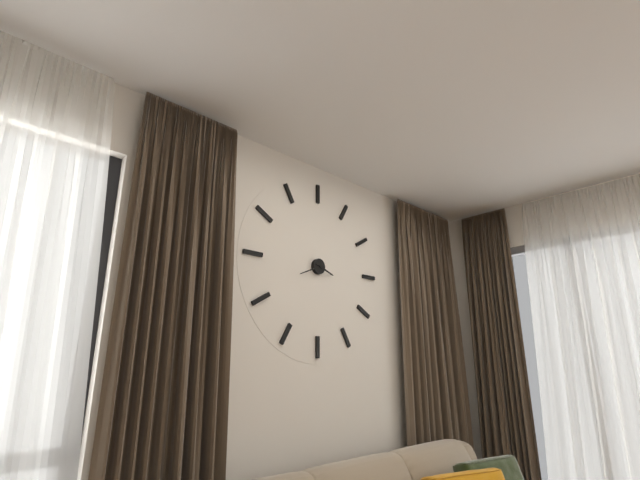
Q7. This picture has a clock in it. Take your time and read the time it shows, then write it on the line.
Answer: 3:41
